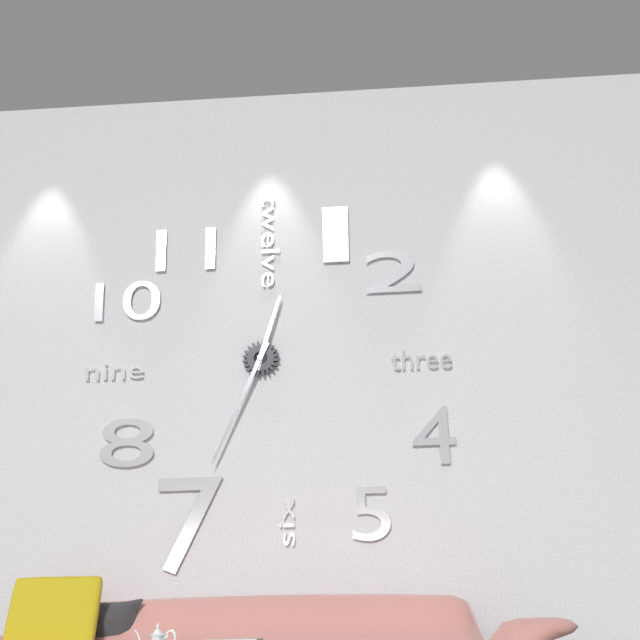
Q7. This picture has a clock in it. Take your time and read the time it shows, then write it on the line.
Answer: 12:34
